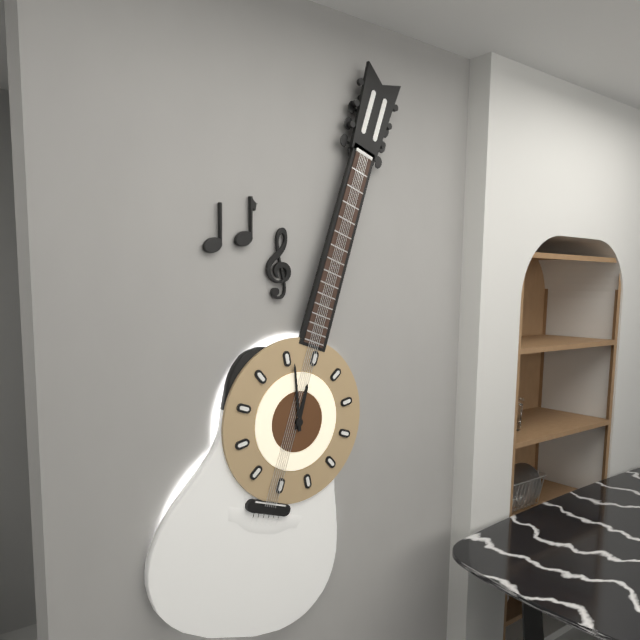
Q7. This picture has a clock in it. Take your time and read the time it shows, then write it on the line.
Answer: 11:56
